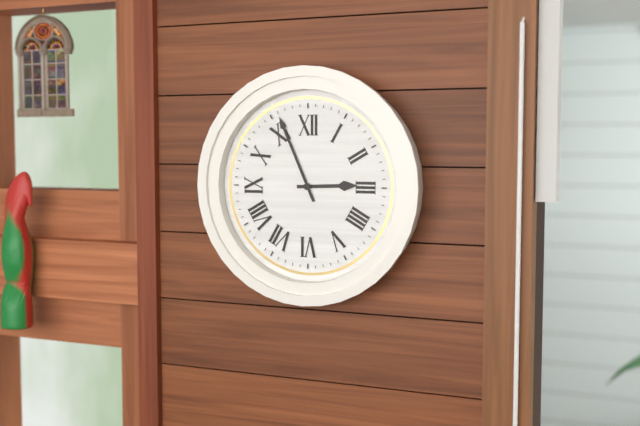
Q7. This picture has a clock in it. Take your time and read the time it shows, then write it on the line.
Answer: 2:56
